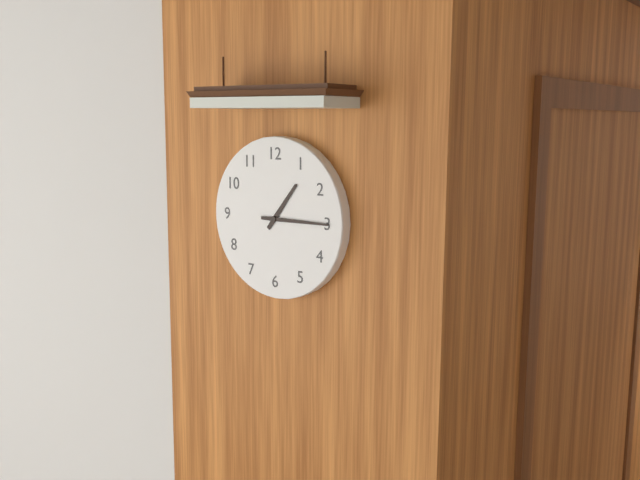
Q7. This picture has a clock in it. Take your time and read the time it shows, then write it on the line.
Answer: 1:15
